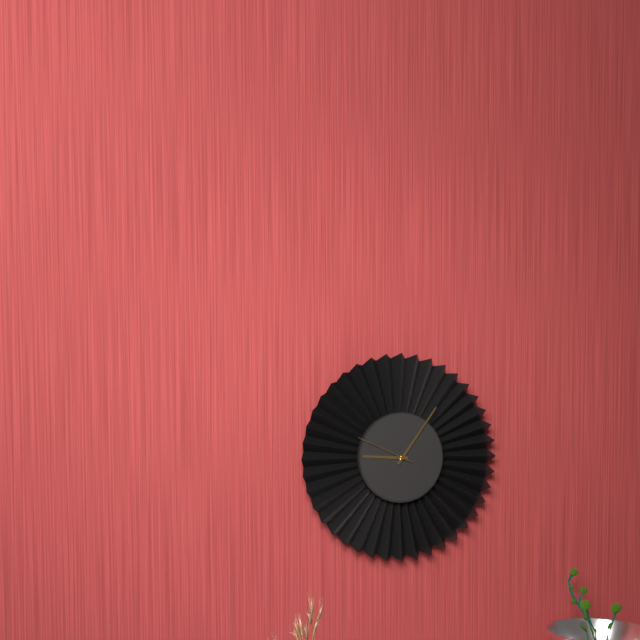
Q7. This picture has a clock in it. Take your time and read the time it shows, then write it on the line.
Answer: 9:06:49
